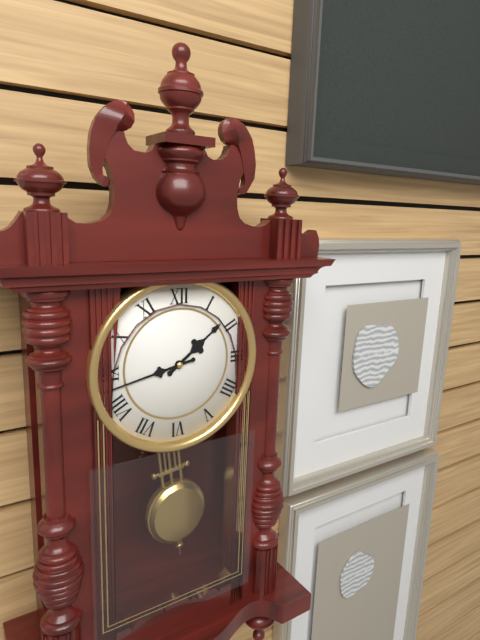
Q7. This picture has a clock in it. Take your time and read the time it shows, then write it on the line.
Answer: 1:43
